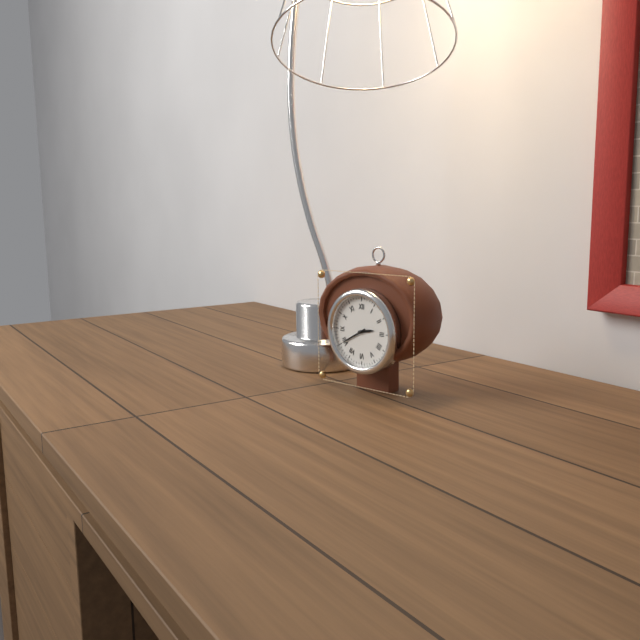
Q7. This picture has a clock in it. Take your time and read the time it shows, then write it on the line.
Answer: 2:40
